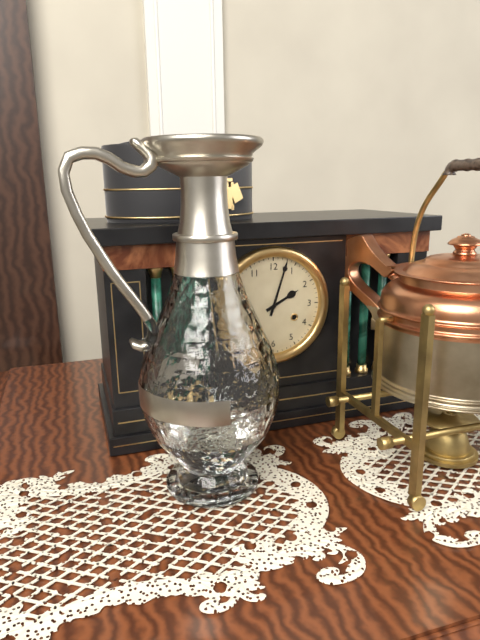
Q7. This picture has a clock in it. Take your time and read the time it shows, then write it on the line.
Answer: 2:03
